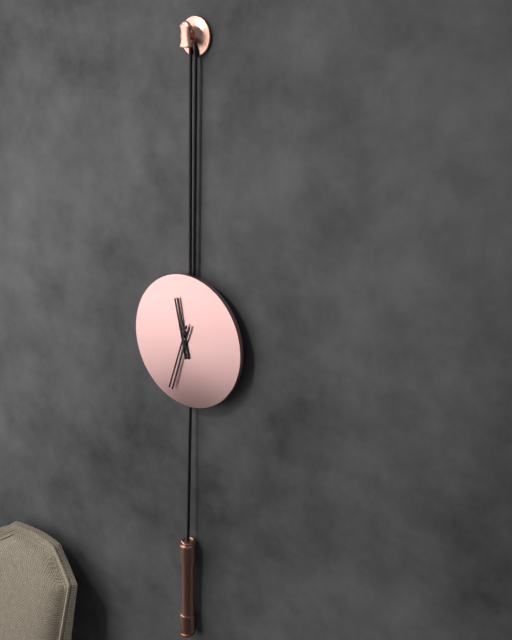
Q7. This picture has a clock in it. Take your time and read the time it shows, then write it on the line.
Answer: 11:33
